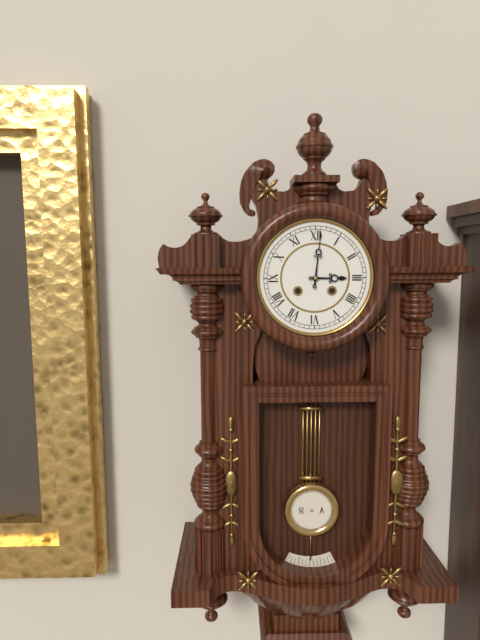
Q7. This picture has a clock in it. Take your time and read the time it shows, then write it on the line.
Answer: 3:01
